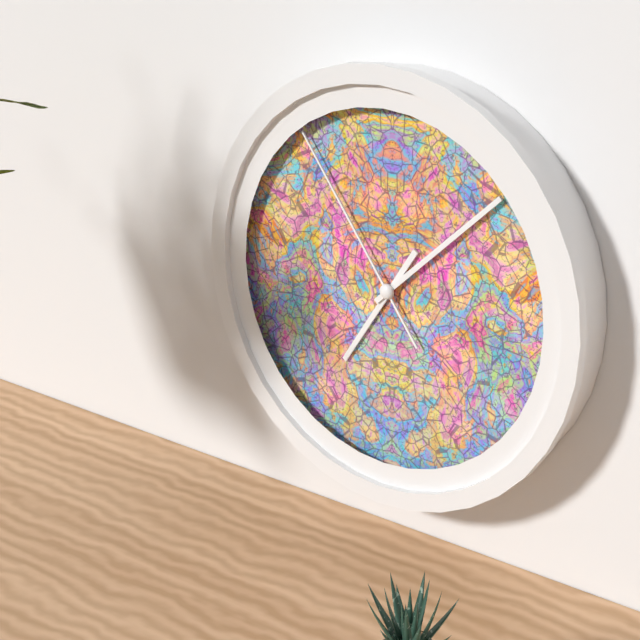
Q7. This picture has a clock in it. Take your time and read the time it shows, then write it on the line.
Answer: 7:08:54
